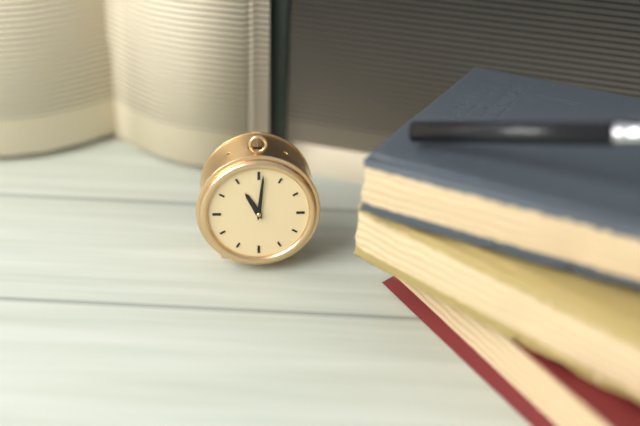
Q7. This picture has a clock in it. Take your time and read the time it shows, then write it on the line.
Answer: 11:01
